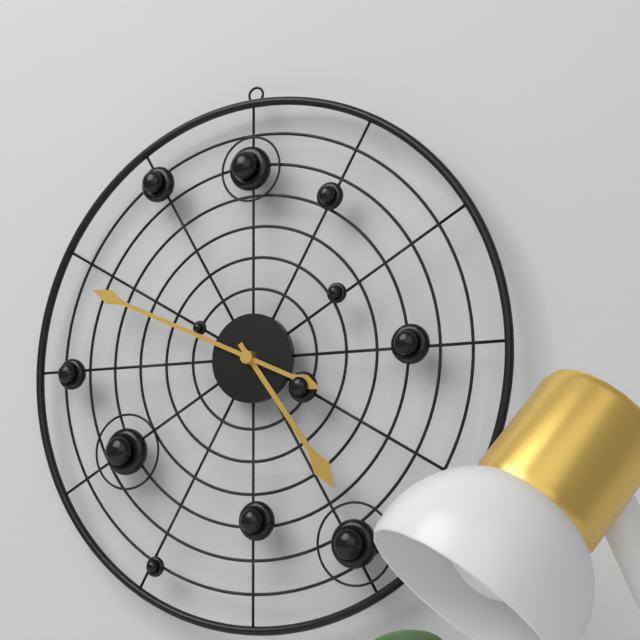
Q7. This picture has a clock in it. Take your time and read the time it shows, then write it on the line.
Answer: 4:49
